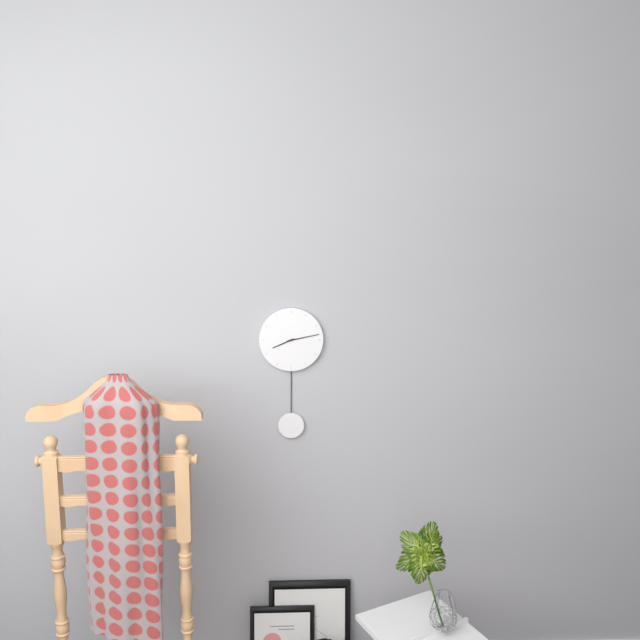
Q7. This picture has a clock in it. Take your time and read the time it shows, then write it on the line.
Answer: 8:13
